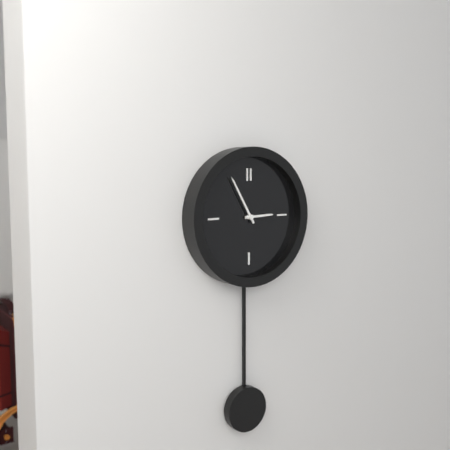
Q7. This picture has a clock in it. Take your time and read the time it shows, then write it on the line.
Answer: 2:55
